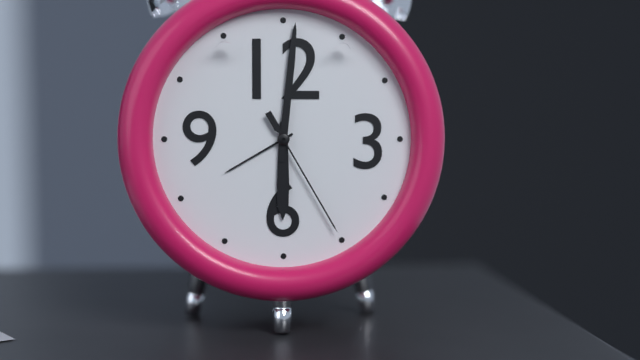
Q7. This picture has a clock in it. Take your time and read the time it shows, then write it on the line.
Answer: 6:01:25
